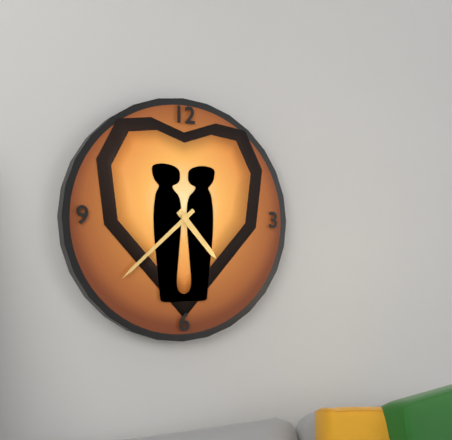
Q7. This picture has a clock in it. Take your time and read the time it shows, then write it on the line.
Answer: 4:38
